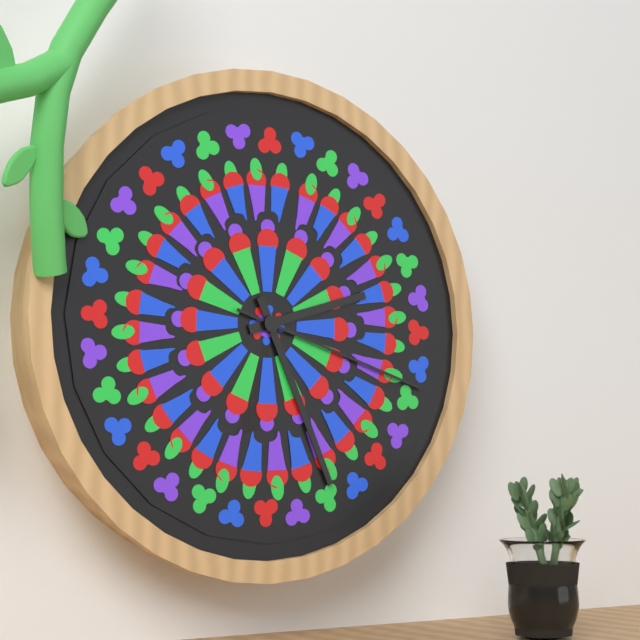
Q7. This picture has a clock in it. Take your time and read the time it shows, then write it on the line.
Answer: 2:26:18
